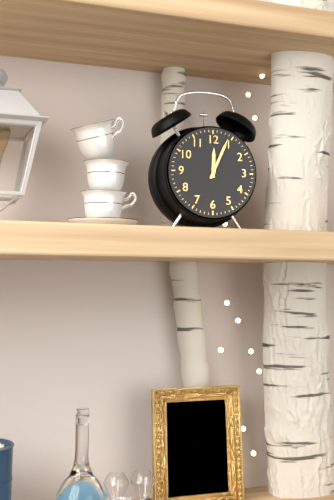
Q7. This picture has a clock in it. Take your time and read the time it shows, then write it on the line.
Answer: 12:04
